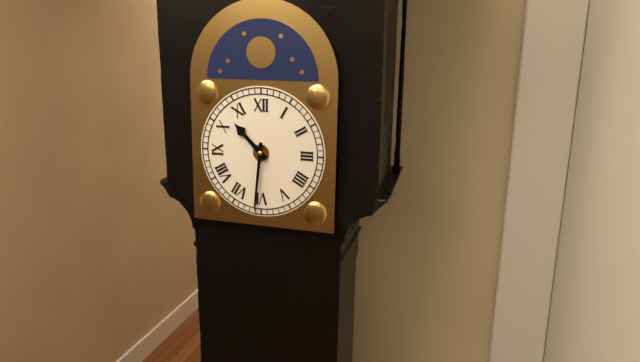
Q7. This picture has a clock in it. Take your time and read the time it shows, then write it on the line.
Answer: 10:31
